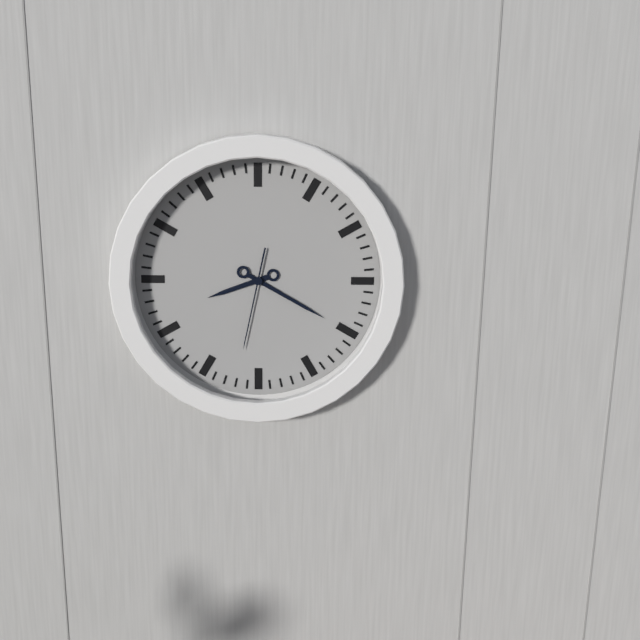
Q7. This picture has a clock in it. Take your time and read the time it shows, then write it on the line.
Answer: 8:20:32
